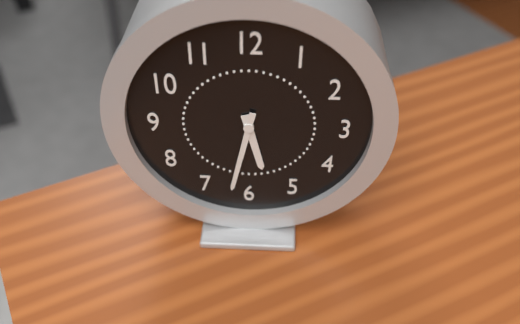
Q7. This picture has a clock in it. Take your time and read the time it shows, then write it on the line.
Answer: 5:32
